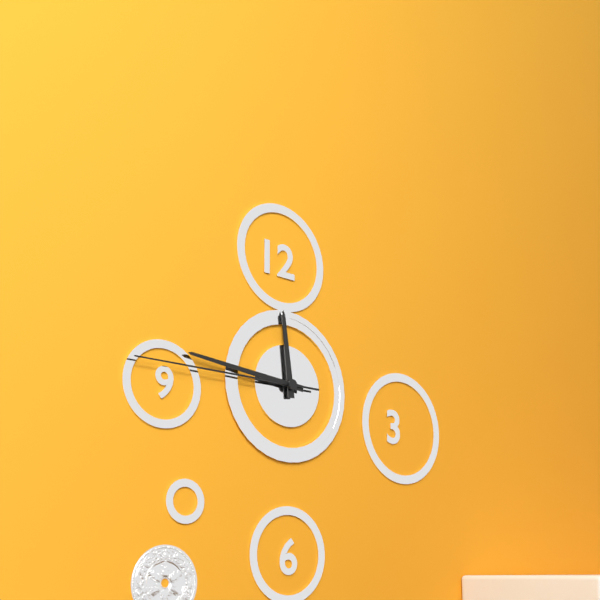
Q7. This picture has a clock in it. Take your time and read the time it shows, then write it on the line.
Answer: 11:46:45
